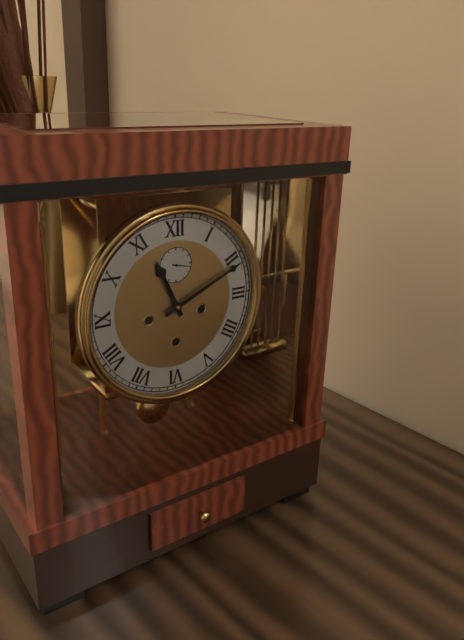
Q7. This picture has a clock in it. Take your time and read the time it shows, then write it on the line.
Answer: 11:11
